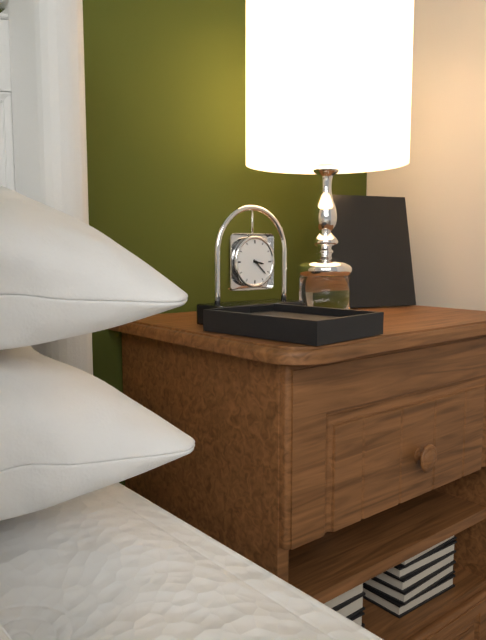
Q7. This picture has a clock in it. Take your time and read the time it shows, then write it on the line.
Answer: 3:22
